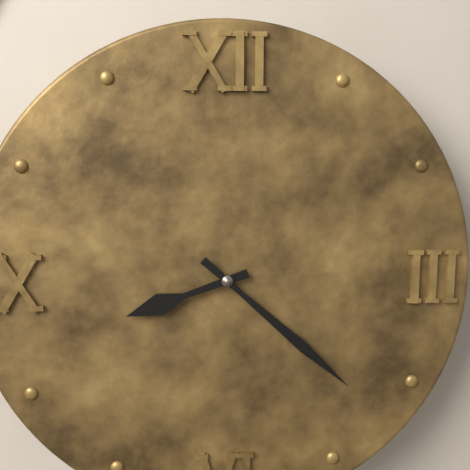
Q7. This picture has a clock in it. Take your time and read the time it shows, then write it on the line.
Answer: 8:22
